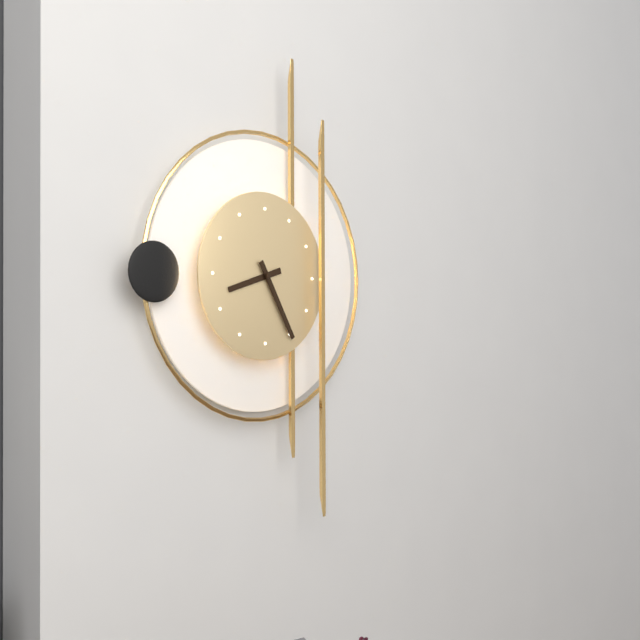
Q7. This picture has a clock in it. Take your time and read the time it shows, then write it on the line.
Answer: 8:25
